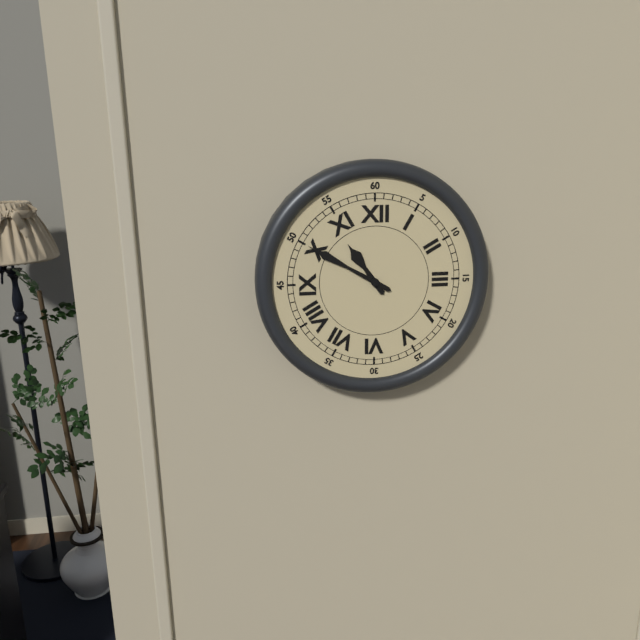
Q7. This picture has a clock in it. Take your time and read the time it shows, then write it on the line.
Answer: 10:50
